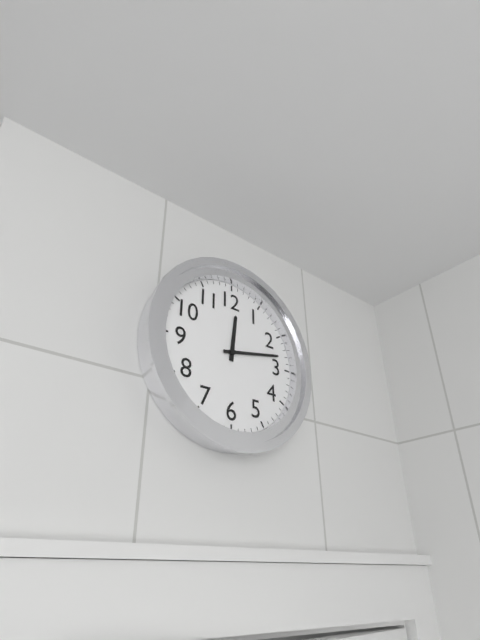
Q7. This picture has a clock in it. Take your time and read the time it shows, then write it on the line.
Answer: 12:13
